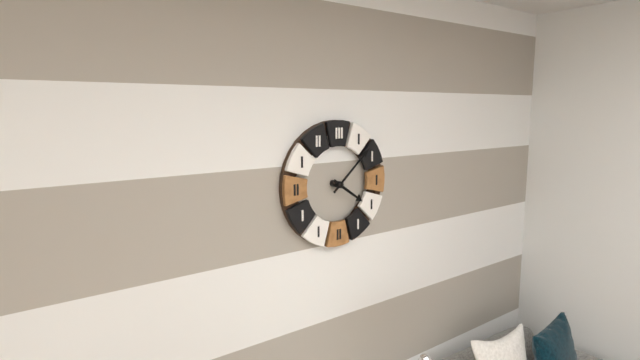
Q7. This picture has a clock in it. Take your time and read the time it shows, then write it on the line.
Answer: 4:08
